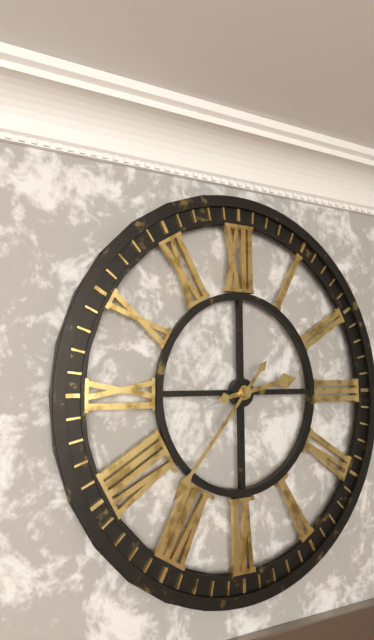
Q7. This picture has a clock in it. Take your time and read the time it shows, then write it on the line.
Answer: 2:37
